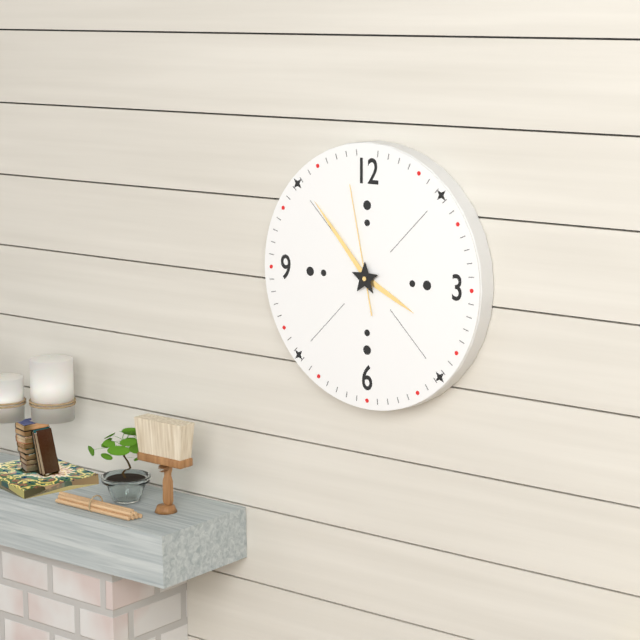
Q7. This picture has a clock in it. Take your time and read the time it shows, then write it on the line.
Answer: 3:53:58
